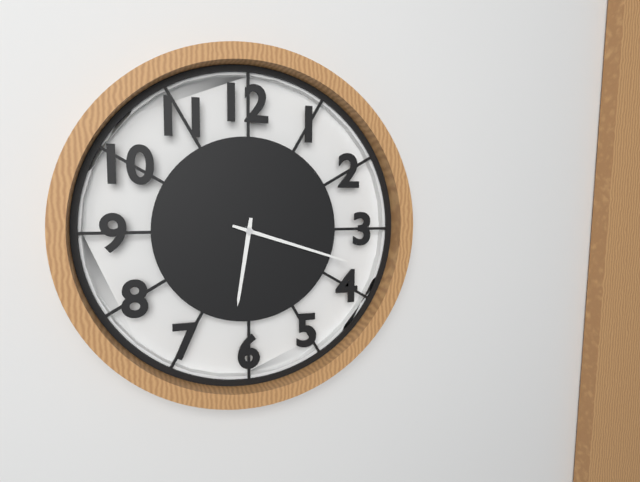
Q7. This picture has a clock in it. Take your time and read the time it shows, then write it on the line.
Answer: 6:18
